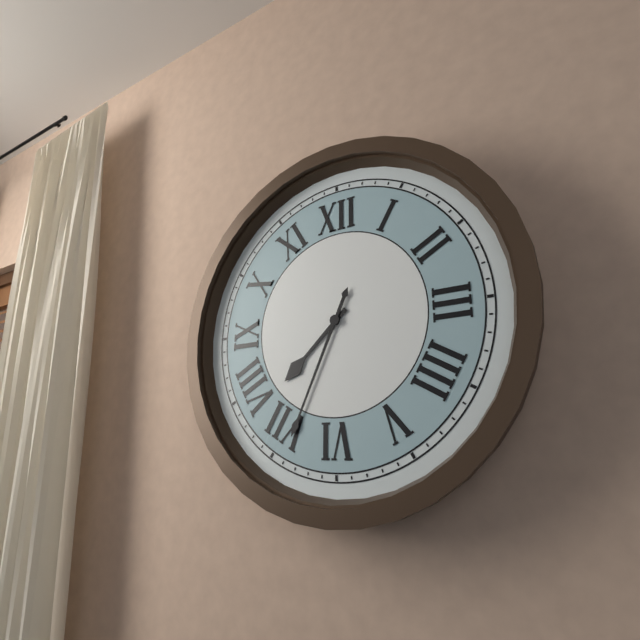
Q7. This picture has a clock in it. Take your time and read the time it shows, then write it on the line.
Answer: 7:34
